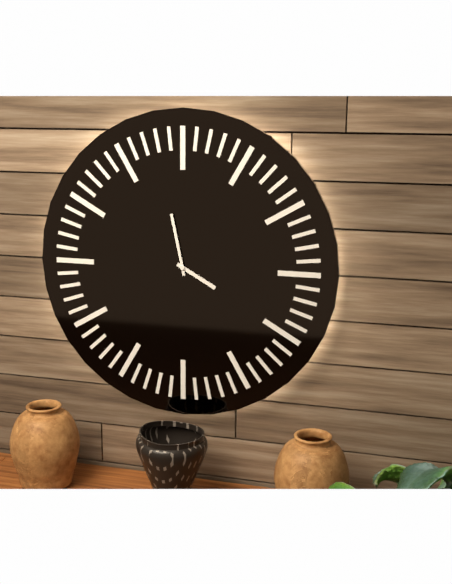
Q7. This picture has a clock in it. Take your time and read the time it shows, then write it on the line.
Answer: 3:58
